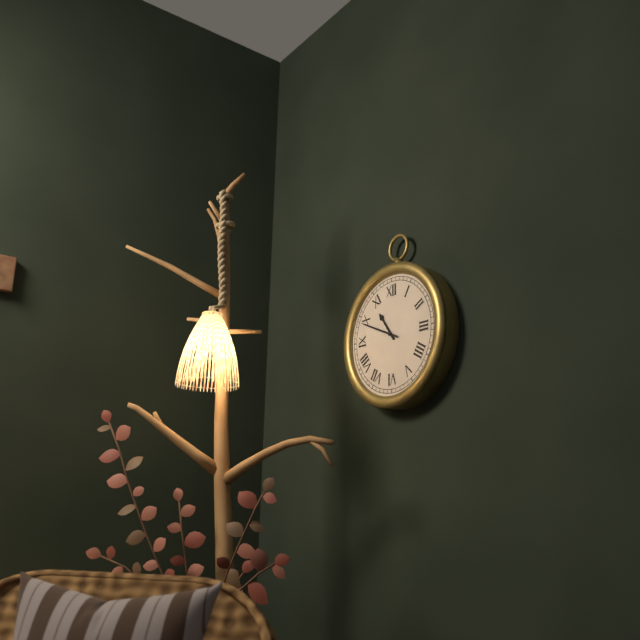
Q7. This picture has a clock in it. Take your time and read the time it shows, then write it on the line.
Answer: 10:49
